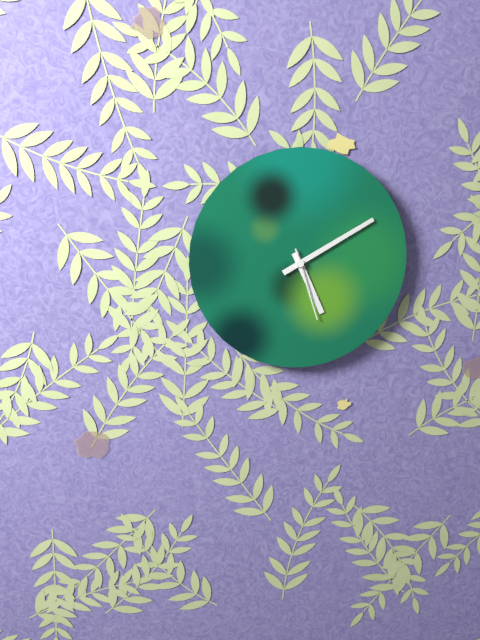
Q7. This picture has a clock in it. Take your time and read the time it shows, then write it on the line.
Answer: 5:10:27
